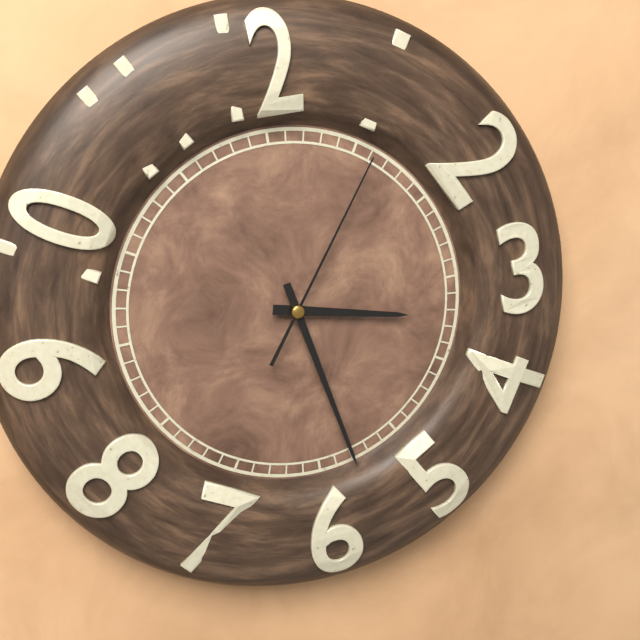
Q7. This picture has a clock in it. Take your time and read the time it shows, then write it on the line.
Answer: 3:28:06
